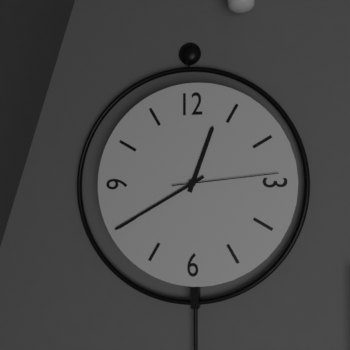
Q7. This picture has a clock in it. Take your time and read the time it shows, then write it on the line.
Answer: 12:40:14
